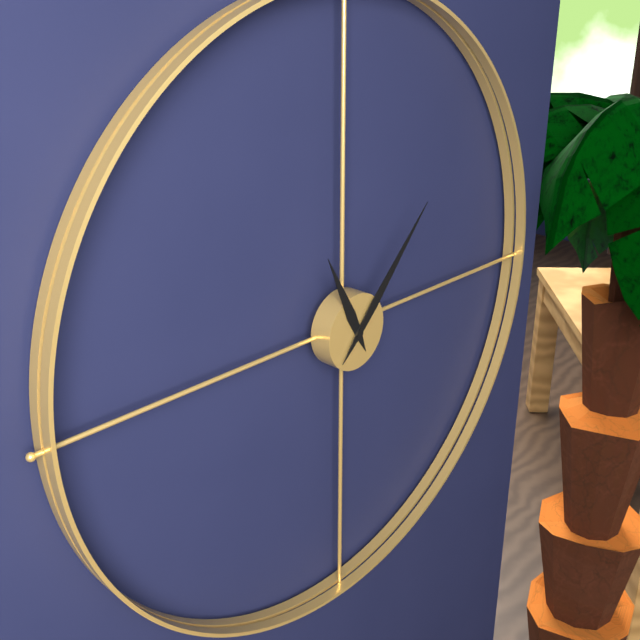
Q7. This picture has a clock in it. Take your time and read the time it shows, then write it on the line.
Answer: 11:07
